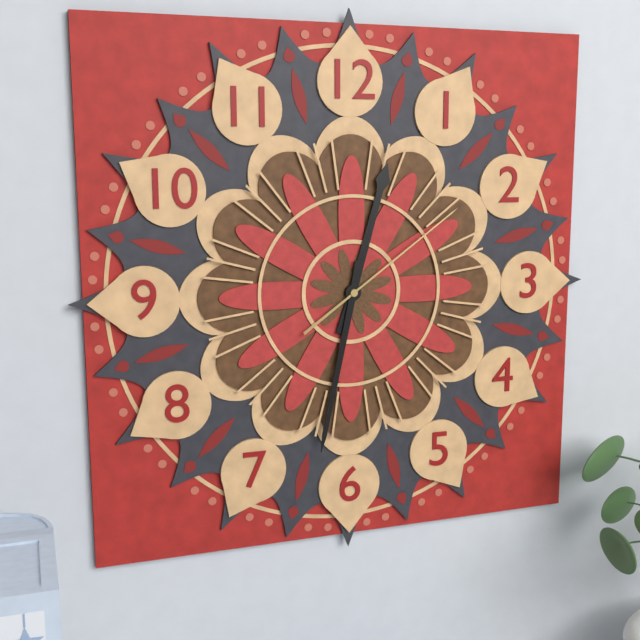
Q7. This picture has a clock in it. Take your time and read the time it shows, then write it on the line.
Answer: 12:32:09
